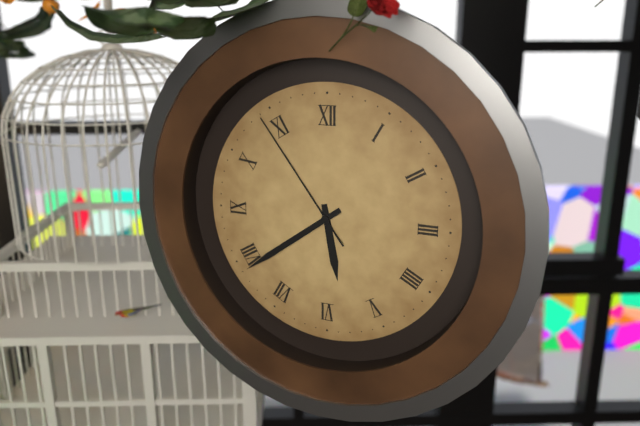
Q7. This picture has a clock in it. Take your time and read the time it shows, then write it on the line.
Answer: 5:39:54
